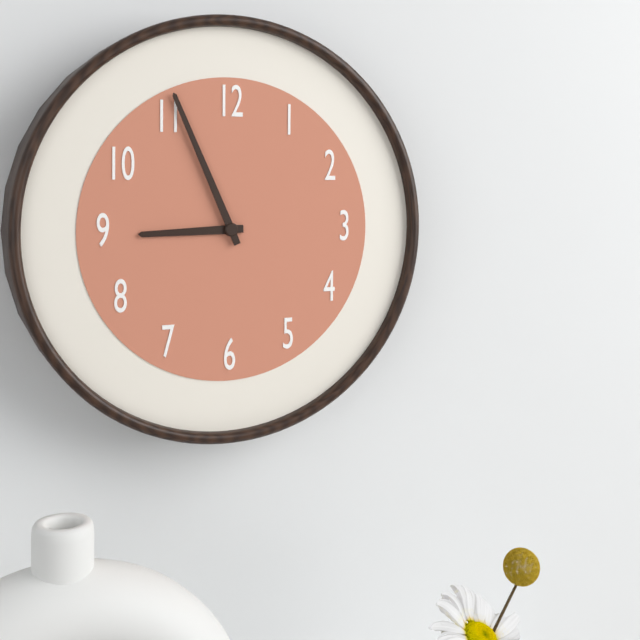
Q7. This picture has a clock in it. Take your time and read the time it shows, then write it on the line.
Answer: 8:56
